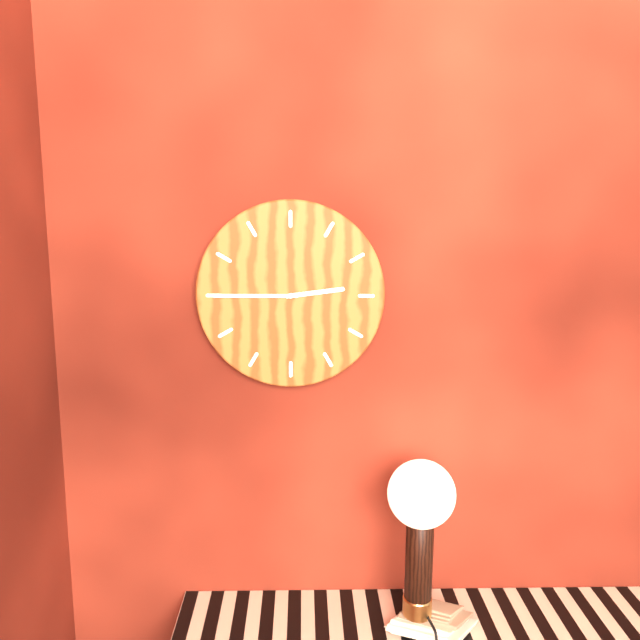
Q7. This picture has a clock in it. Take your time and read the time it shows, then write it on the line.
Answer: 2:45
